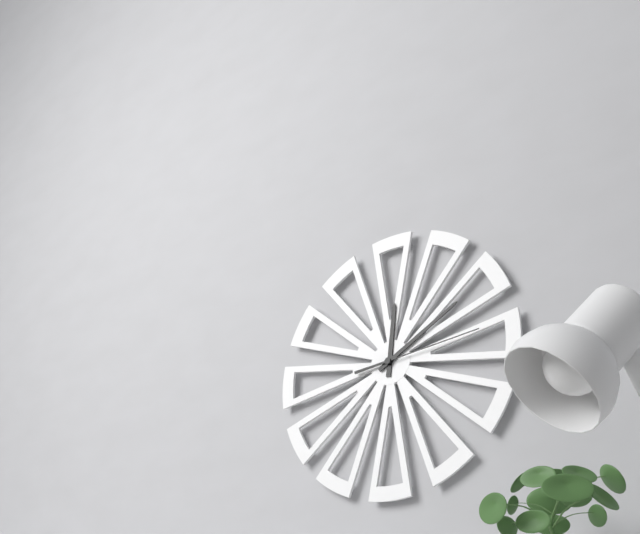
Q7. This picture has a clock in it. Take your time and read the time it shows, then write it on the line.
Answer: 12:10:14
